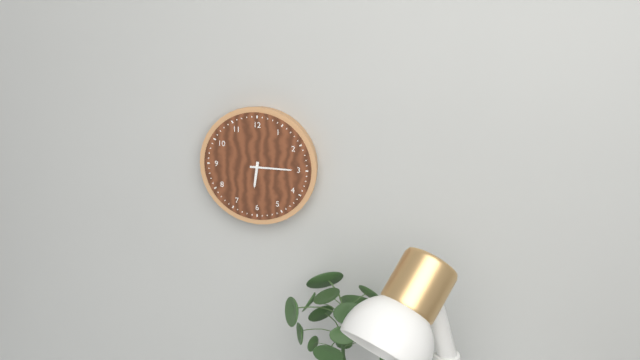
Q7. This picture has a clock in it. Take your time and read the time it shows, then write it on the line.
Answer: 6:15
